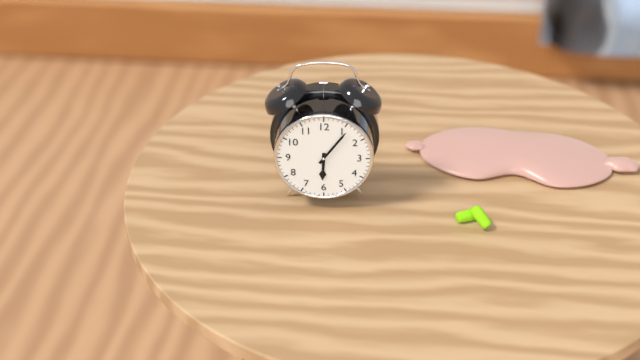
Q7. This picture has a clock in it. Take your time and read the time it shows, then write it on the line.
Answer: 6:06
